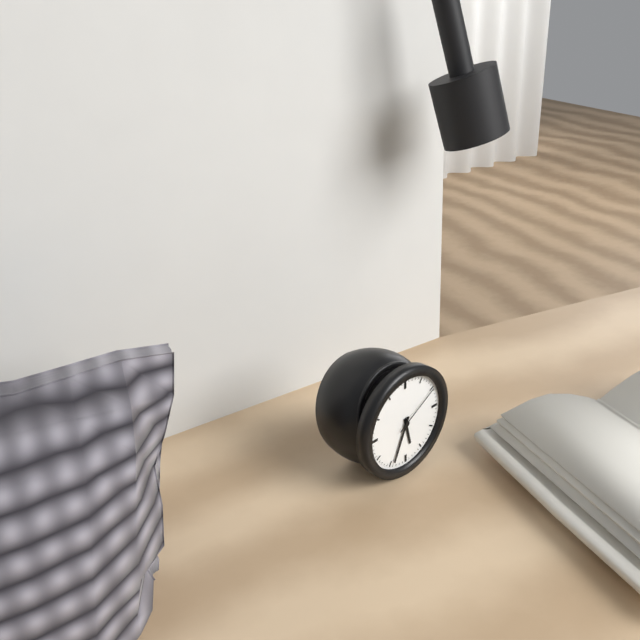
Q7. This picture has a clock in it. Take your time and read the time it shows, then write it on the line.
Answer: 5:34:10
